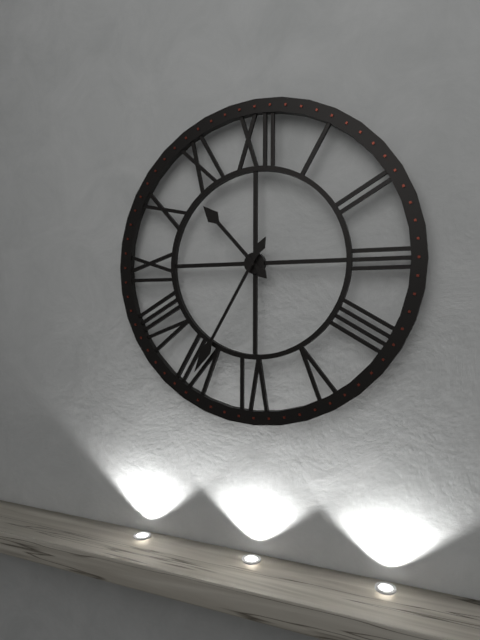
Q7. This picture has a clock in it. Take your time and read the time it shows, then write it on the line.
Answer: 10:35
